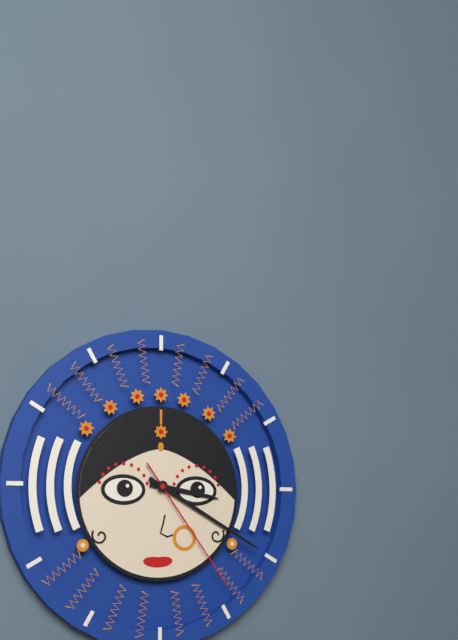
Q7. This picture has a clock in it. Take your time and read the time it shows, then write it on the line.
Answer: 3:20:24
